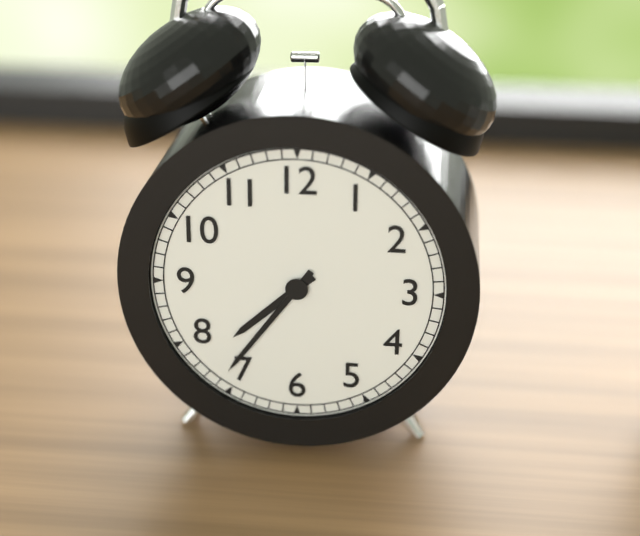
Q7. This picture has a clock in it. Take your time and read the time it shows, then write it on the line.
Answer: 7:36
